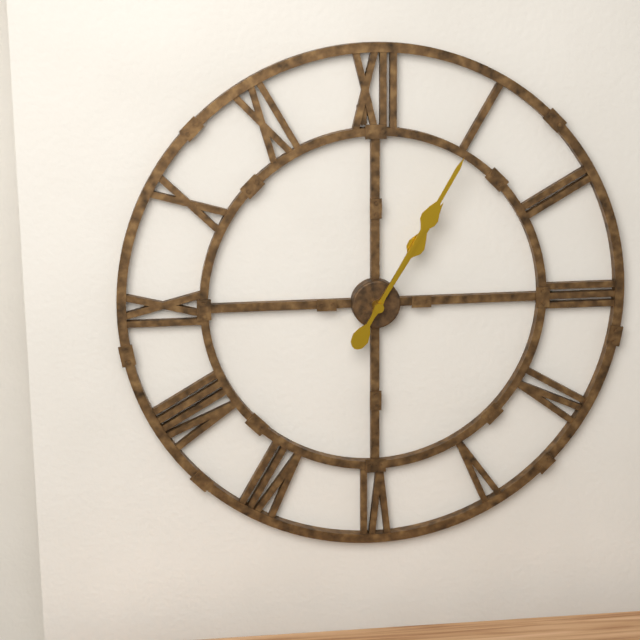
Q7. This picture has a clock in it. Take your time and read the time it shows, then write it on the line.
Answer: 1:05
